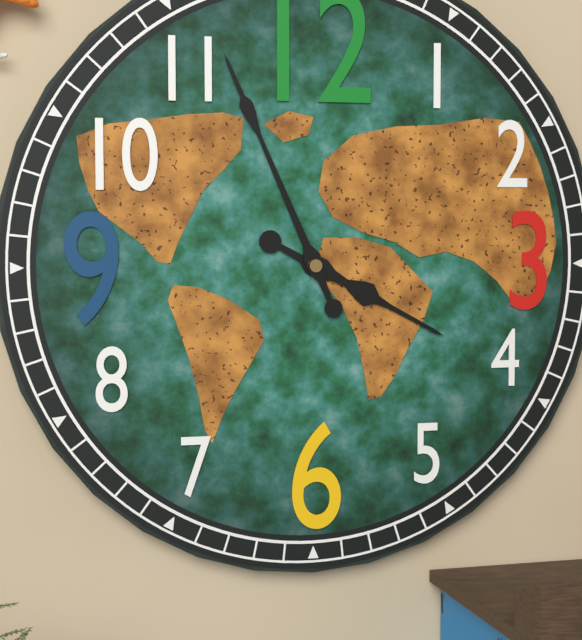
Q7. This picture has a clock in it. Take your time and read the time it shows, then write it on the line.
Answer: 3:56
